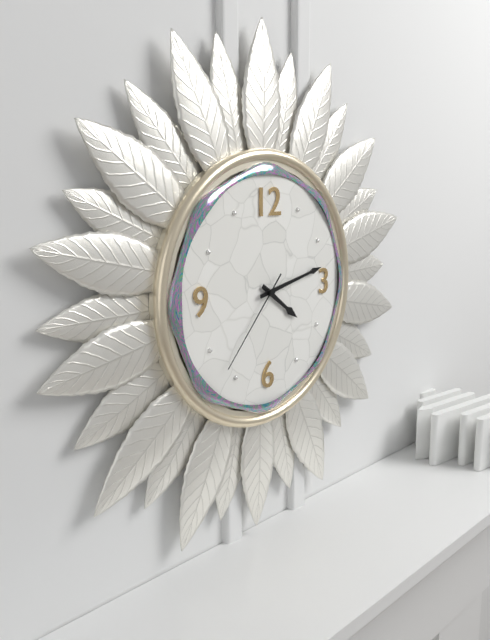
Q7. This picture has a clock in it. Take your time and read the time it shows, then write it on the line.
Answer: 4:13:37
